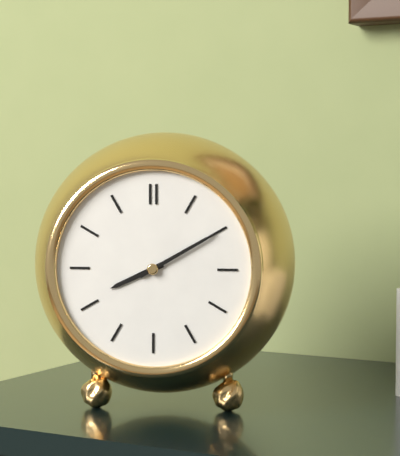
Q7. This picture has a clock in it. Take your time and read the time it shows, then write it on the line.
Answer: 8:10
